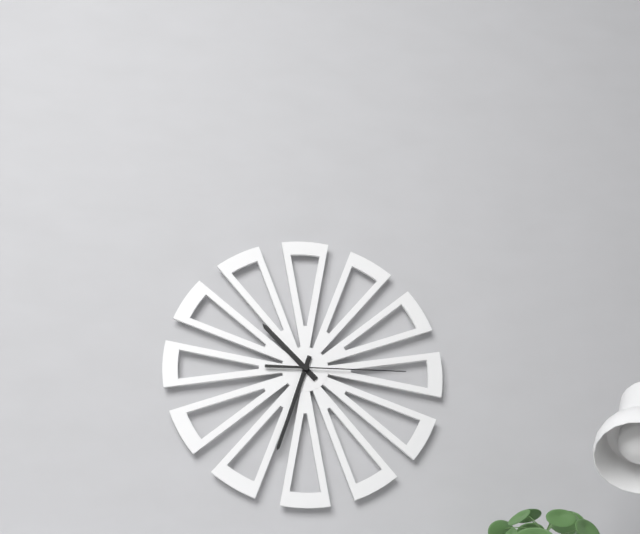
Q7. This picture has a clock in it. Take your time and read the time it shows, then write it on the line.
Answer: 10:33:15
